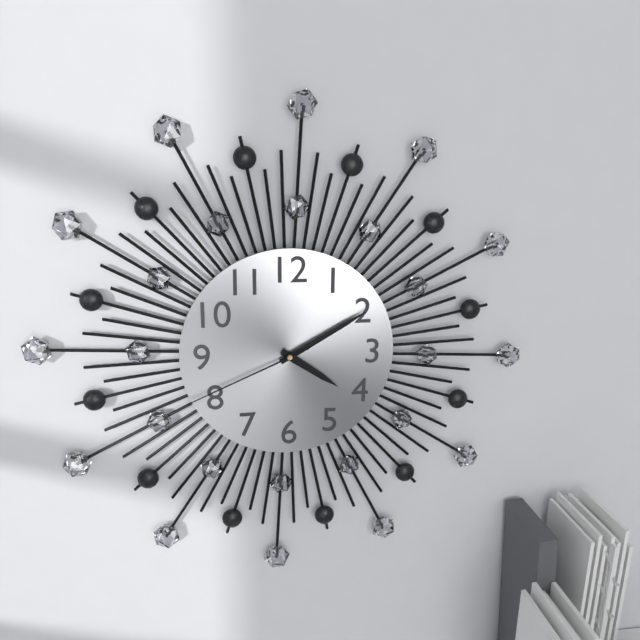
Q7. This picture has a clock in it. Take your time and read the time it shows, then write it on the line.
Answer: 4:10:41
